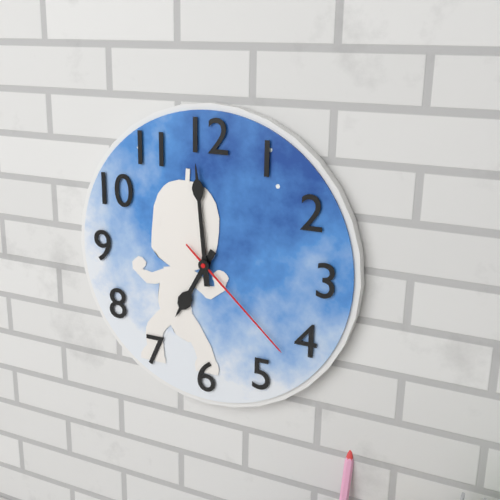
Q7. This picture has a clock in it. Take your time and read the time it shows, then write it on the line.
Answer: 6:59:22
